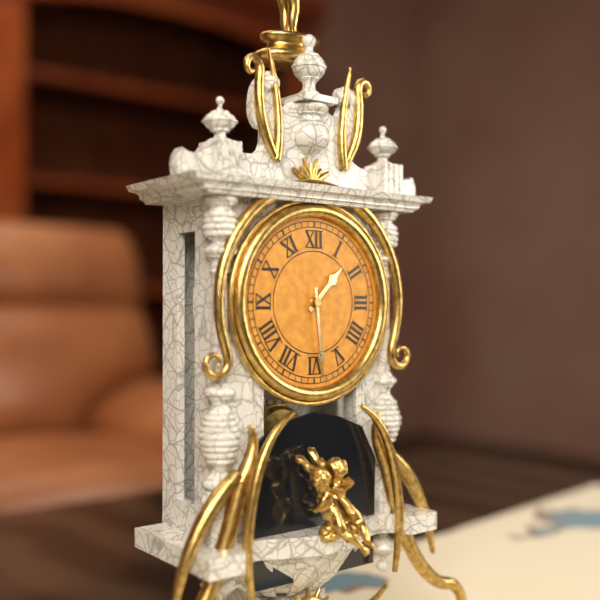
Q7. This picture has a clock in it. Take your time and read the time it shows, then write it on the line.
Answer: 1:29
